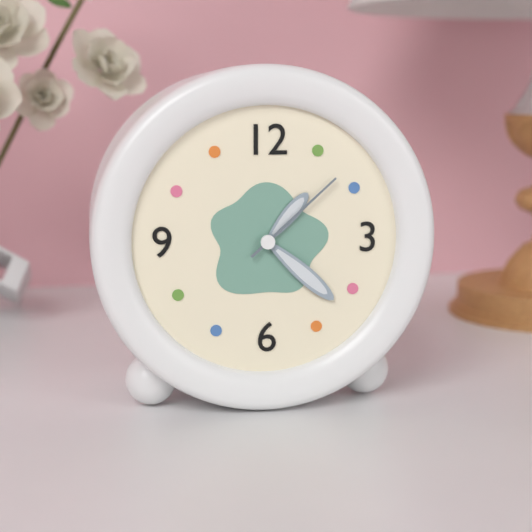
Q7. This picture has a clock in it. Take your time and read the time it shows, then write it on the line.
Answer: 1:22:08
